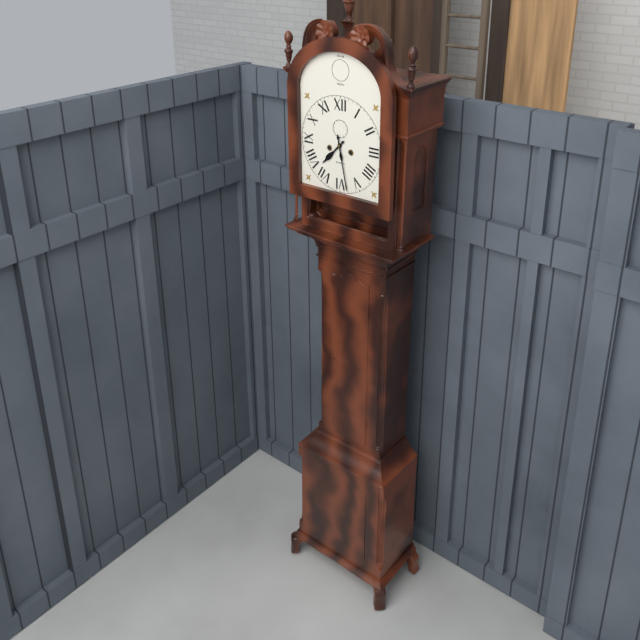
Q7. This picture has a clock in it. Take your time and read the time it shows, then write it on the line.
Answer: 7:28
